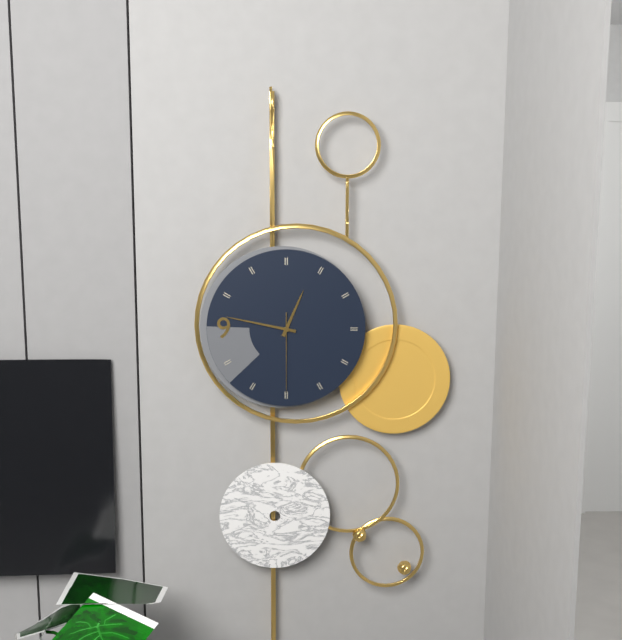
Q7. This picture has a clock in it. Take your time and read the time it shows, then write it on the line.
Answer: 12:47:30
